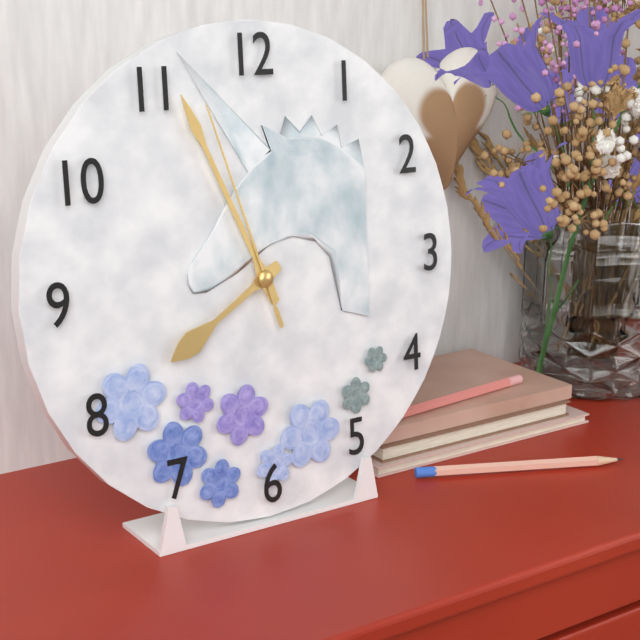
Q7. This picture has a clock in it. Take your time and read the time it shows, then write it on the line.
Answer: 7:56:57
